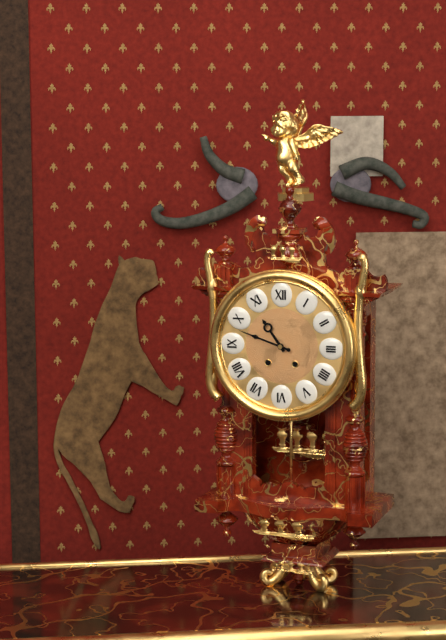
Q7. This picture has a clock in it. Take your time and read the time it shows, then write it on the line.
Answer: 10:48
